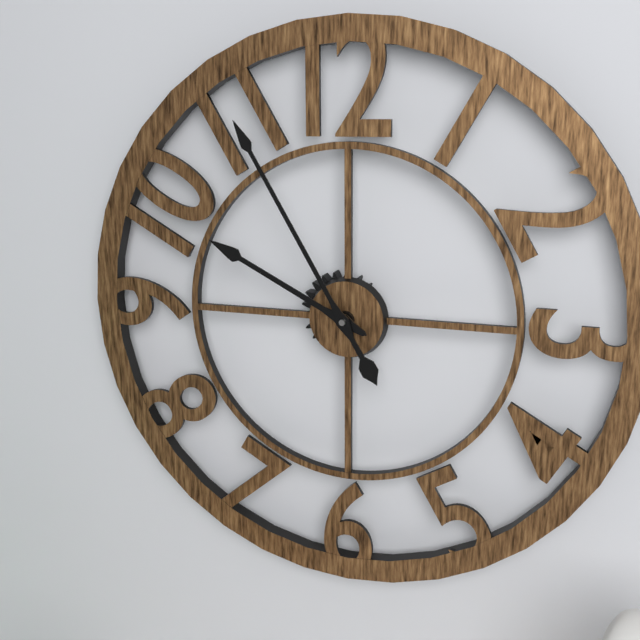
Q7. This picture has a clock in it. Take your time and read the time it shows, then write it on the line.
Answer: 9:55
